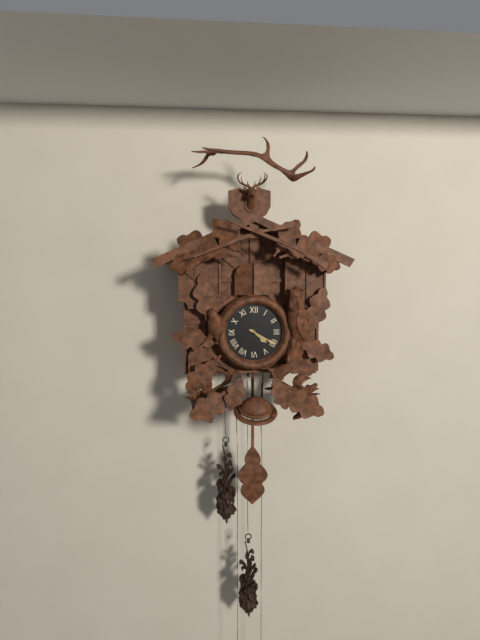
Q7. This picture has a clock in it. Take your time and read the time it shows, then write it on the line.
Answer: 4:20
